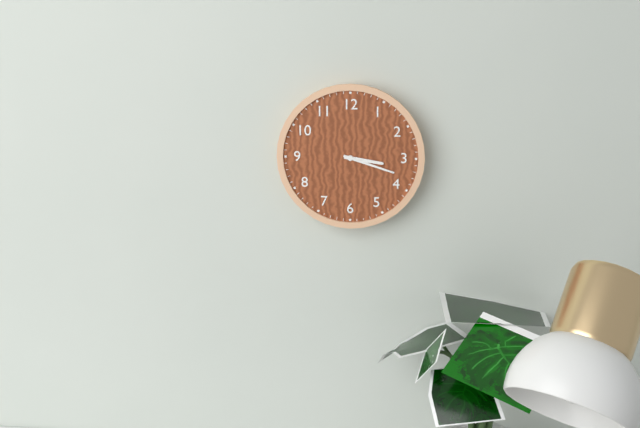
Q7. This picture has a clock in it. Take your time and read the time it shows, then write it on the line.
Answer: 3:18
